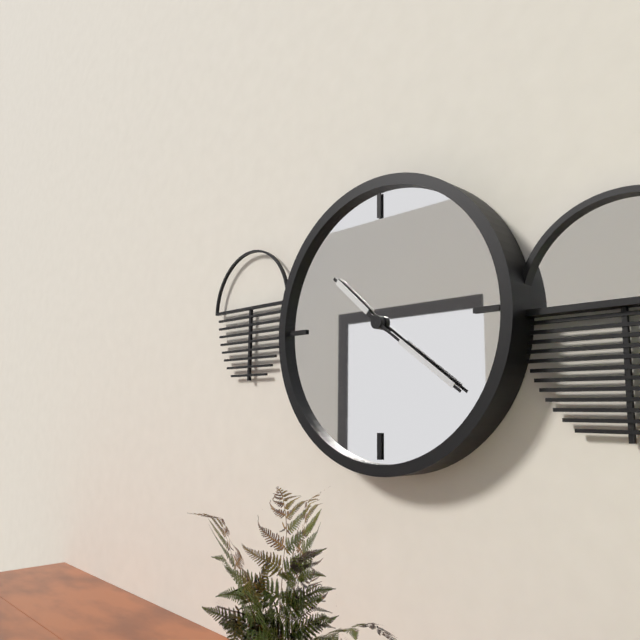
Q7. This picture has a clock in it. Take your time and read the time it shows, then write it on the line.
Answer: 10:21
